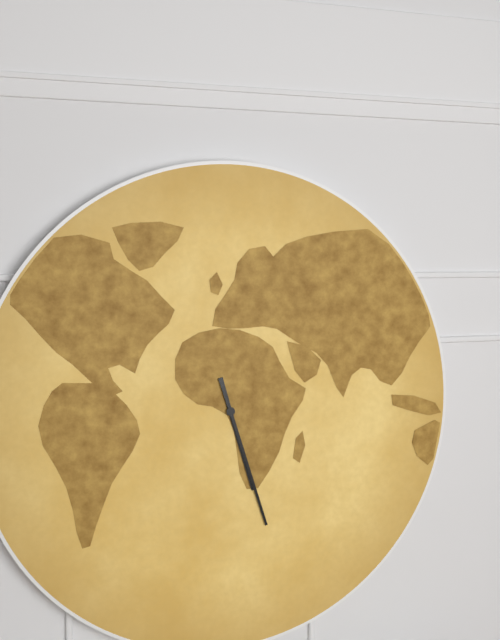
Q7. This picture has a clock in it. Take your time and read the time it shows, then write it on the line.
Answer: 5:27
